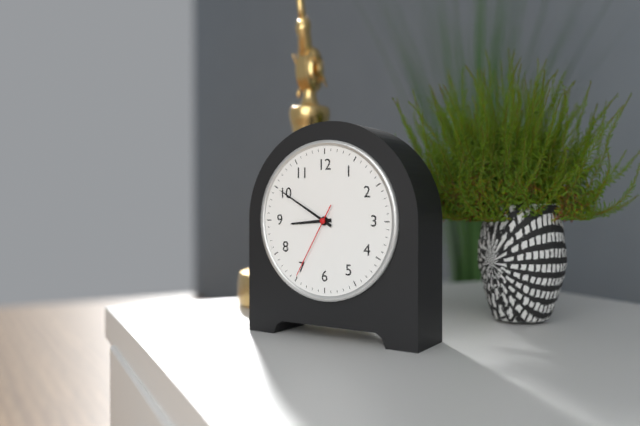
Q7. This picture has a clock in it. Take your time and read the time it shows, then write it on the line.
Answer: 8:50:35
